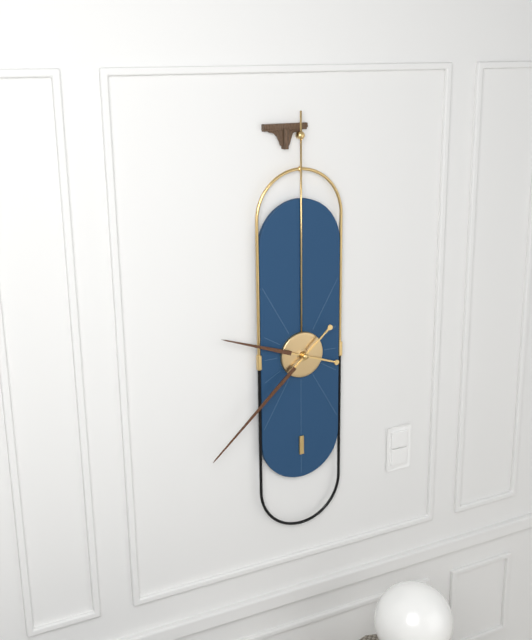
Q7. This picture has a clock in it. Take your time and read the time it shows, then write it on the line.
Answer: 9:38
